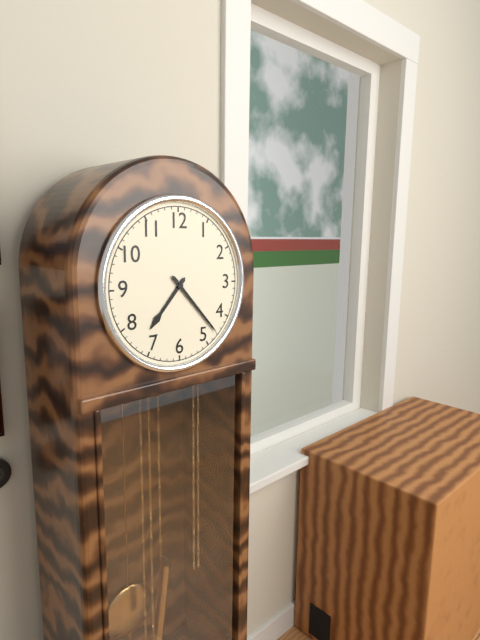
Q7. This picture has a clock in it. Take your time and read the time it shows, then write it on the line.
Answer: 7:23
